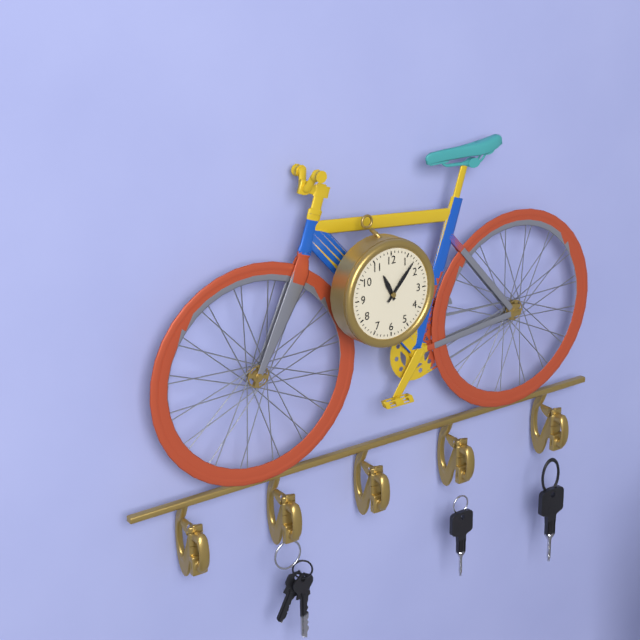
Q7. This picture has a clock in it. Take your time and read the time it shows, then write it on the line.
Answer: 11:07
